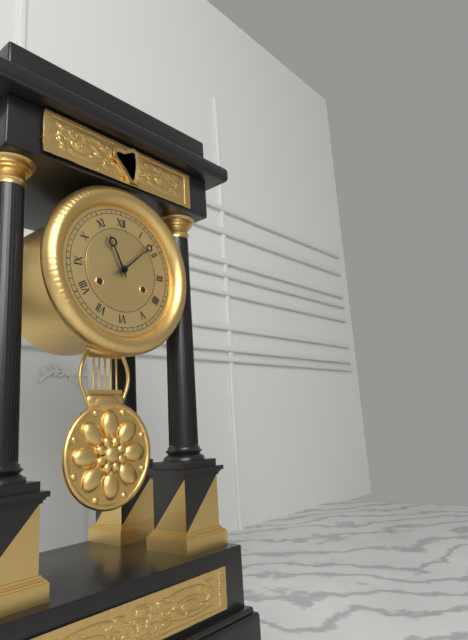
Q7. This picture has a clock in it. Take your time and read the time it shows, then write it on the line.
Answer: 11:08
